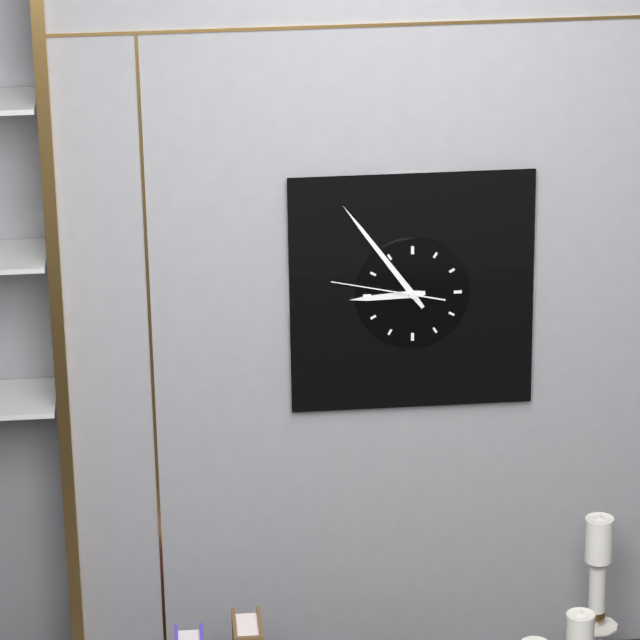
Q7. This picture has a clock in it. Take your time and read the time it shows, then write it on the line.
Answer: 8:54:47
